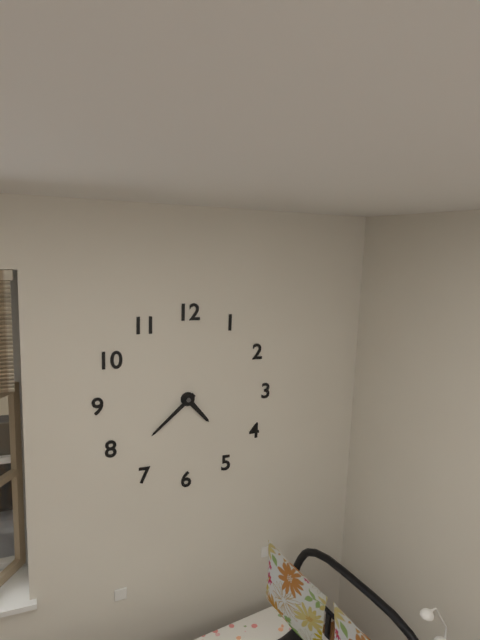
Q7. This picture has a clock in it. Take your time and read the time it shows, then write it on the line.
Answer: 4:38
